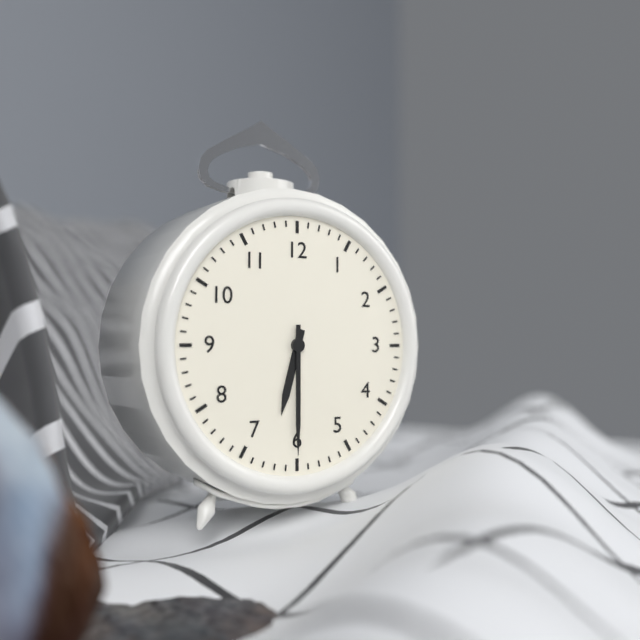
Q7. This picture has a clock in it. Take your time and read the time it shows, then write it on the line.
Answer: 6:30
